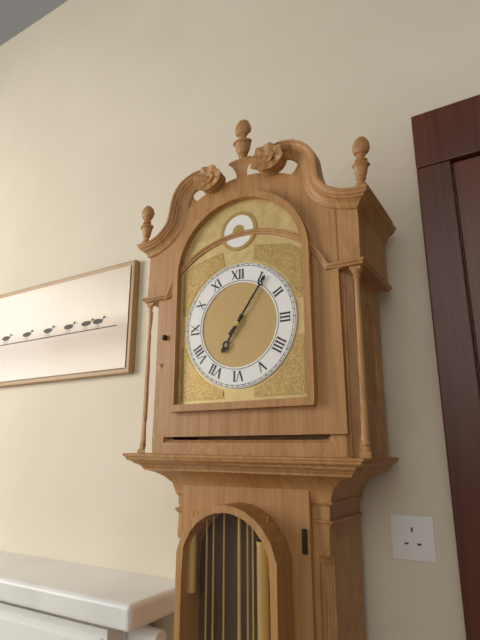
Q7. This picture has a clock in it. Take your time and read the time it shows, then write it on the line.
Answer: 7:06
